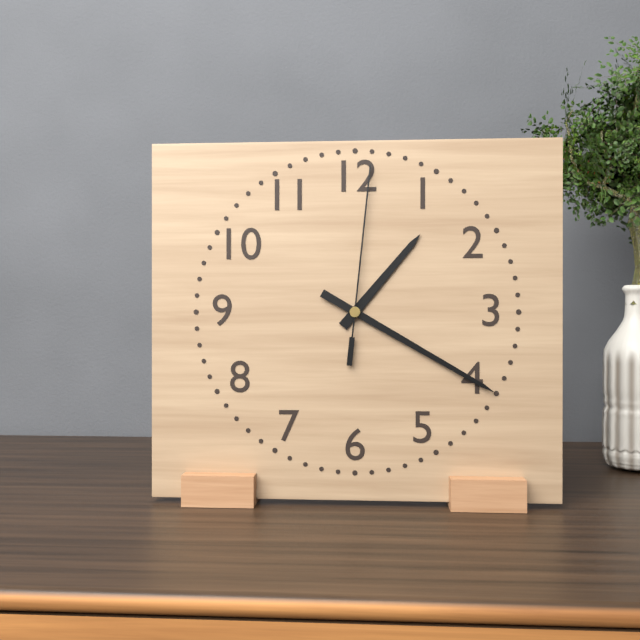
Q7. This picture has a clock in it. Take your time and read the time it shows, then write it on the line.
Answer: 1:20:01
